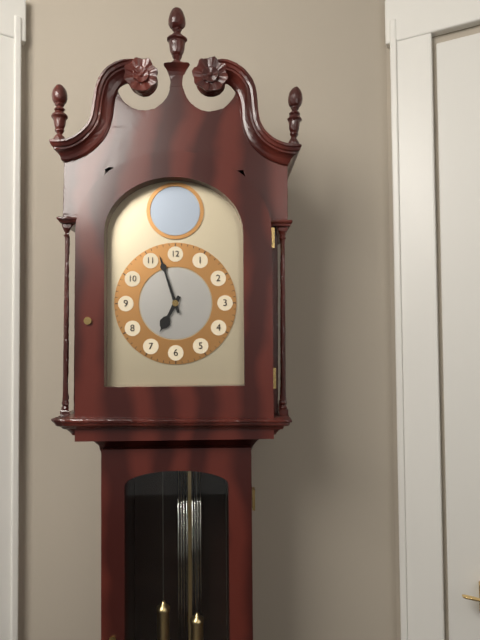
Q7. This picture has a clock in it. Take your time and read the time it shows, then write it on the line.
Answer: 6:57
